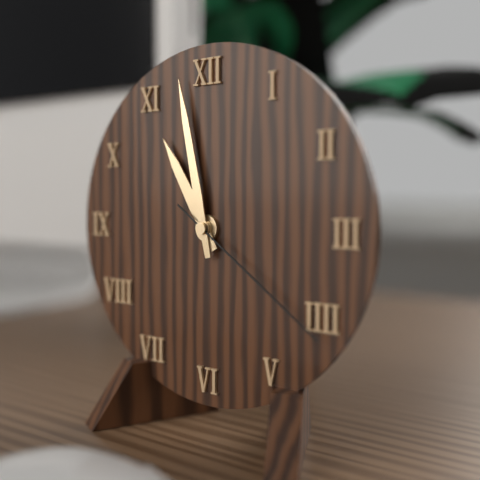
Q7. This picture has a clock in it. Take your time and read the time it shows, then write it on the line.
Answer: 10:58:21
